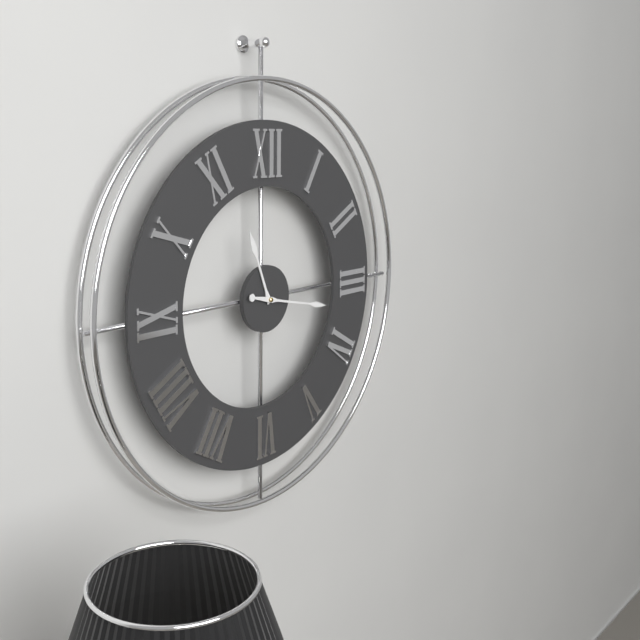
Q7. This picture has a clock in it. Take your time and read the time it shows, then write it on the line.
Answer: 11:17
